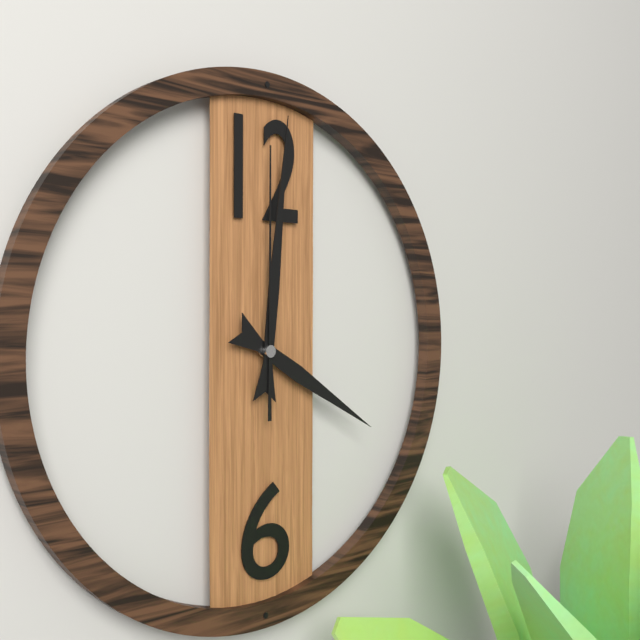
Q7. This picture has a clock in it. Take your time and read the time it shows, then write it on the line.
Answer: 4:01:00
